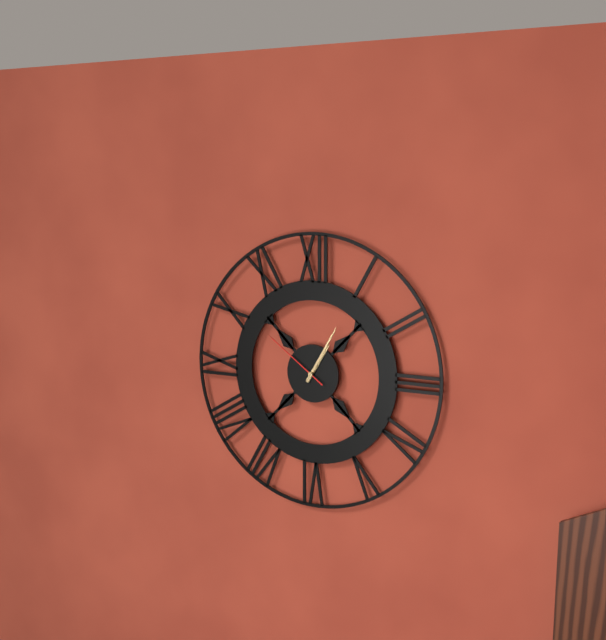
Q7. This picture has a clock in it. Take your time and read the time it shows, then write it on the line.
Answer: 1:05:51
